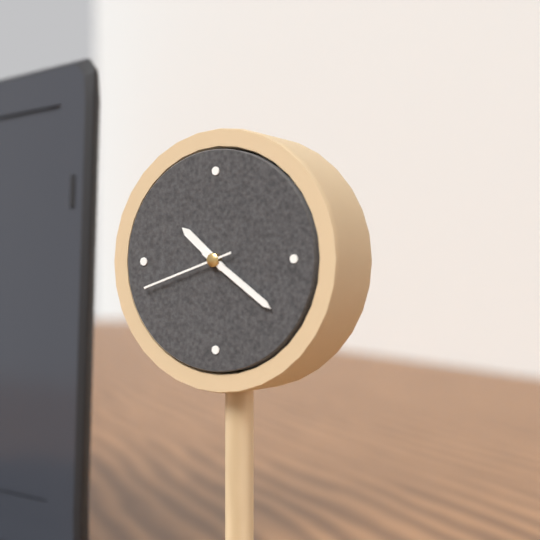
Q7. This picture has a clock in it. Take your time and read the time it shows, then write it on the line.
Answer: 10:21:42
